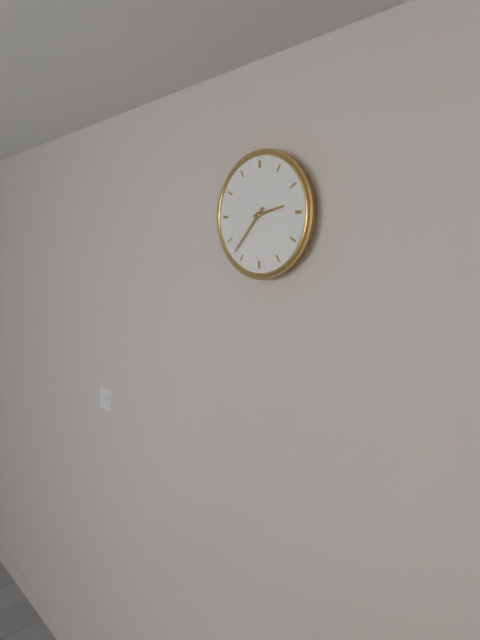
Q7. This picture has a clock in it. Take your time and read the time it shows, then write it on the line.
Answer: 2:37
